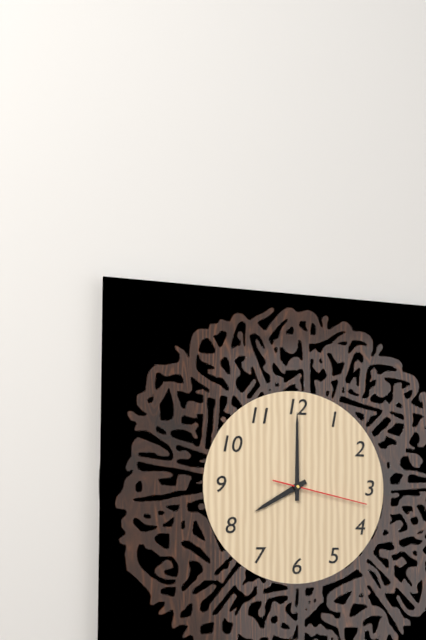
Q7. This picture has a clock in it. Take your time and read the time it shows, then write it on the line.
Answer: 8:00:17
